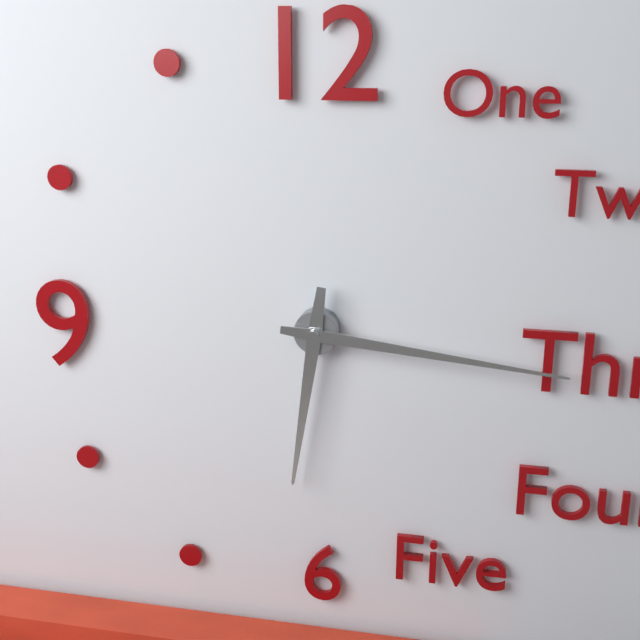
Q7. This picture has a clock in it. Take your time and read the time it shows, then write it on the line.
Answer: 6:16
